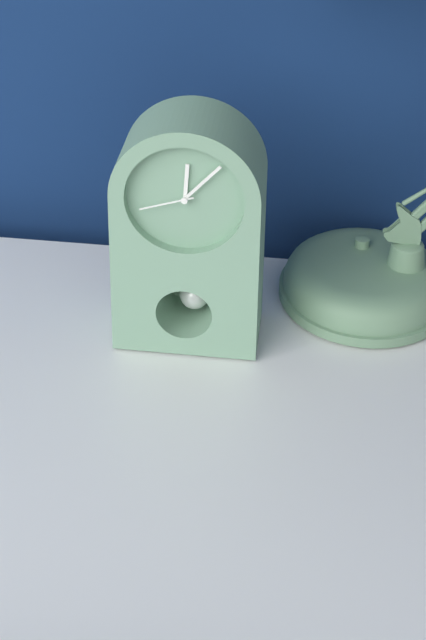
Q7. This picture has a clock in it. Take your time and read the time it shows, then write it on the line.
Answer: 12:07:42
